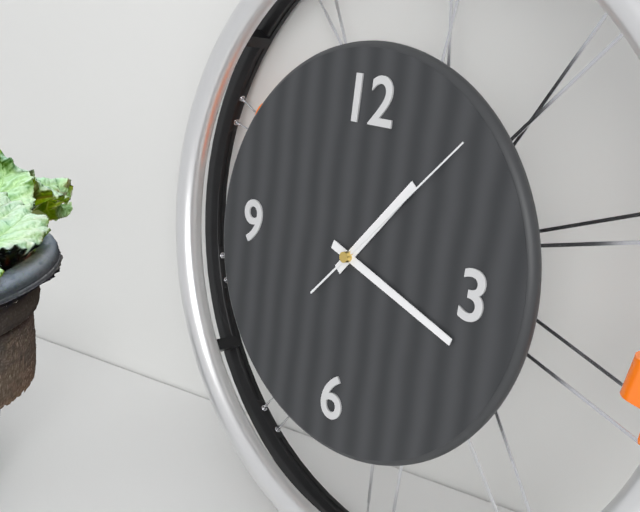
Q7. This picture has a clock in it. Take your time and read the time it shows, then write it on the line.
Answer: 1:18:07
